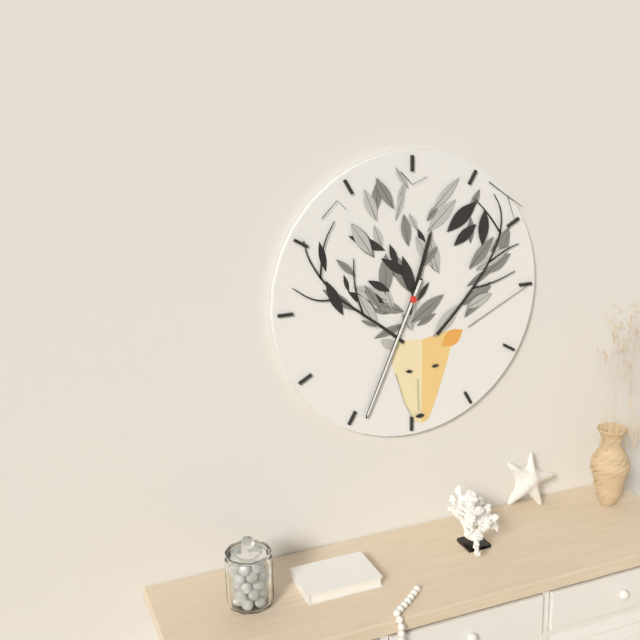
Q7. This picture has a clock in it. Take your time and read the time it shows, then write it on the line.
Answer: 12:34
